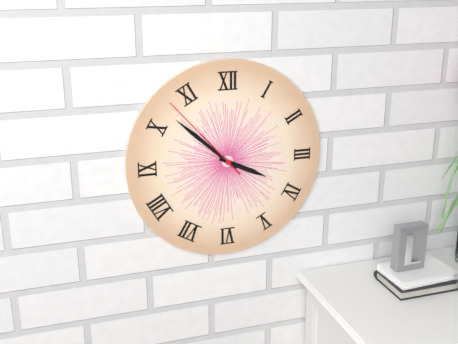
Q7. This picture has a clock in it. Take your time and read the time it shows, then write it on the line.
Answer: 3:52:53
